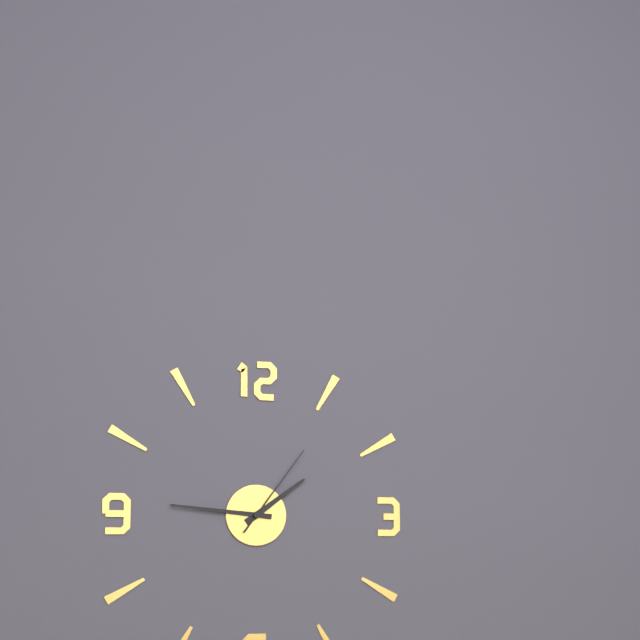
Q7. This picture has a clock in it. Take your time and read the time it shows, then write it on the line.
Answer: 1:46:06
